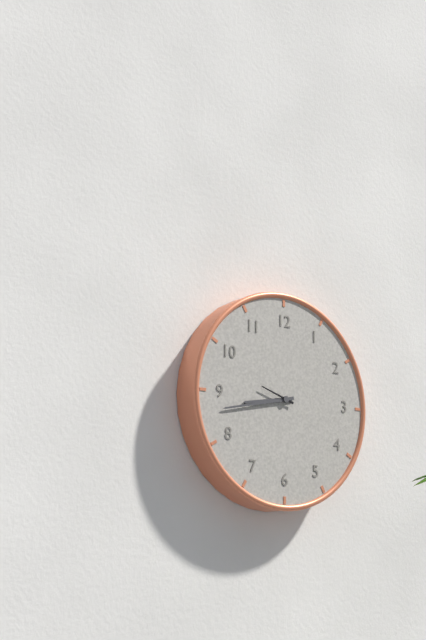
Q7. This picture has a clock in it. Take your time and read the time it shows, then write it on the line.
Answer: 8:43
